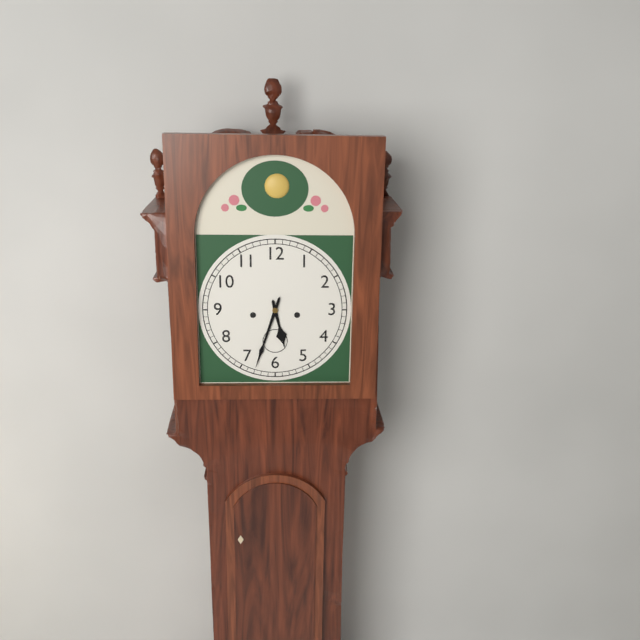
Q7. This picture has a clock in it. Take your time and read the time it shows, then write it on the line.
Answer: 5:33
